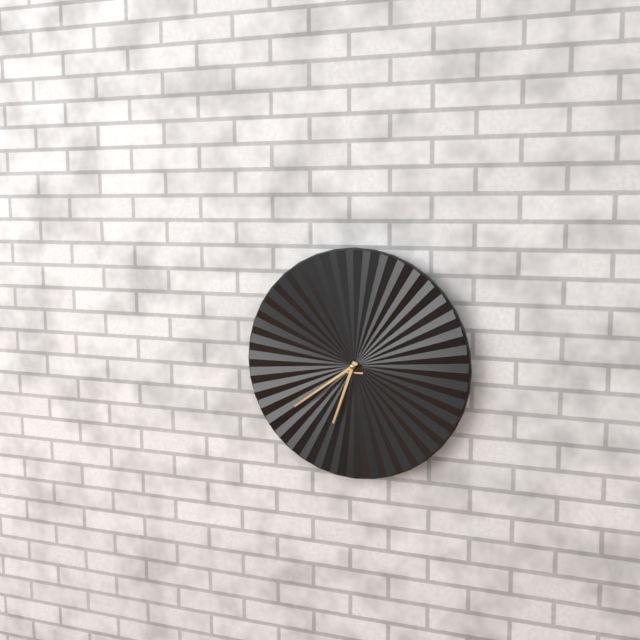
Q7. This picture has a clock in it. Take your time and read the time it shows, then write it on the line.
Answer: 6:39
